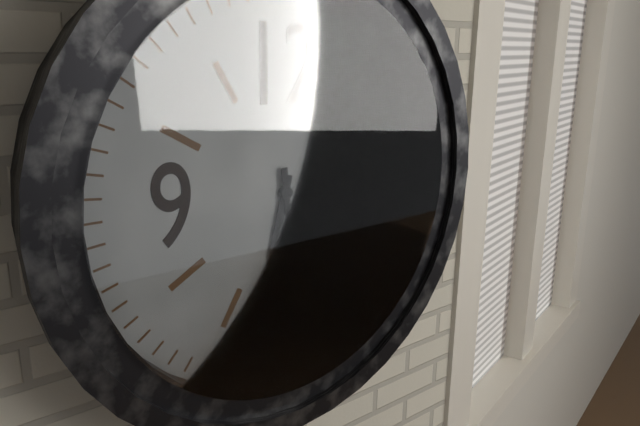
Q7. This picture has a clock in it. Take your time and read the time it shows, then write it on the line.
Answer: 6:29
